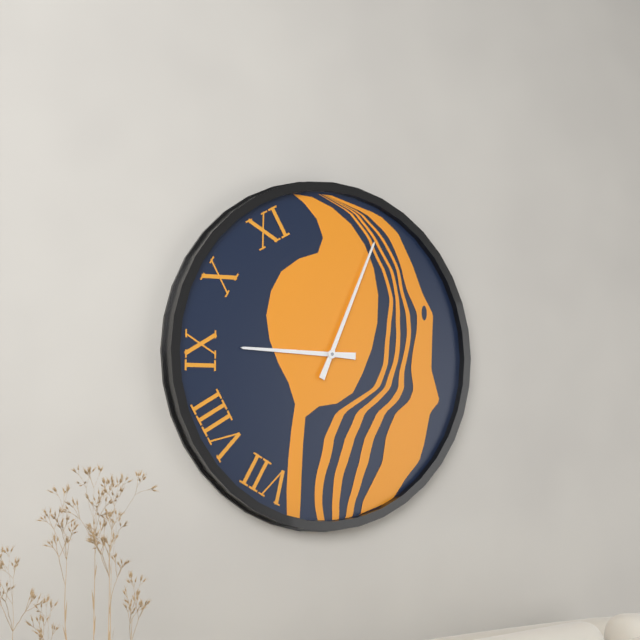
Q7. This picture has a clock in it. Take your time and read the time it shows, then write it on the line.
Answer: 9:04
